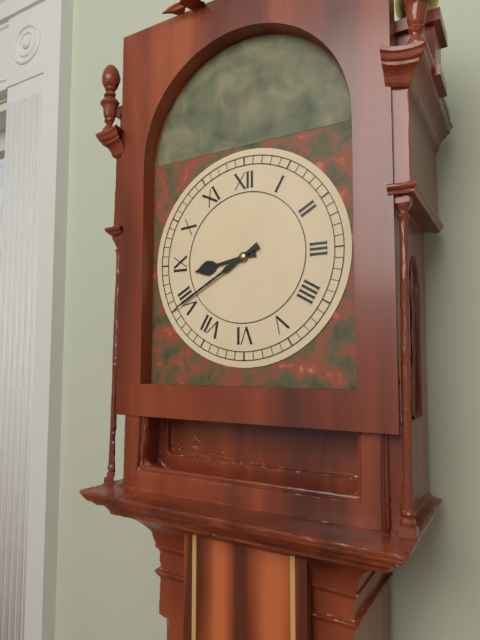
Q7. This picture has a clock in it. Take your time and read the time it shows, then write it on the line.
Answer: 8:40
